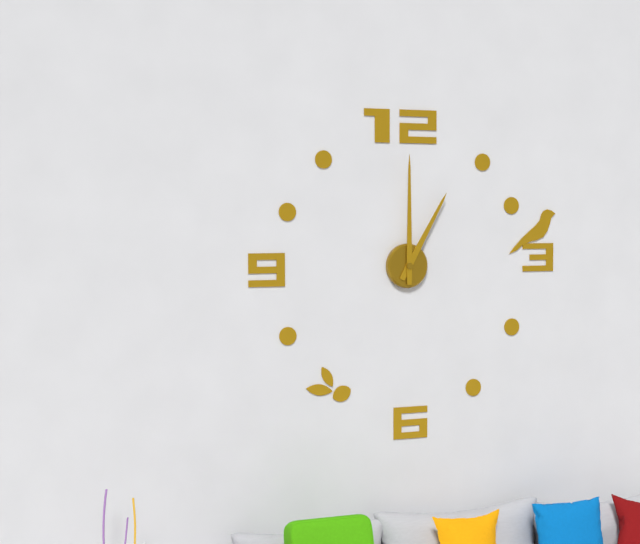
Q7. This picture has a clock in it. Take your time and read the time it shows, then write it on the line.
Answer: 1:00
